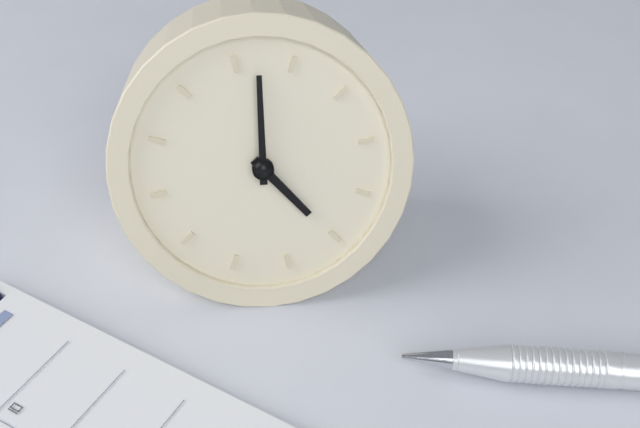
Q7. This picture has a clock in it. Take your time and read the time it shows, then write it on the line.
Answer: 5:02
